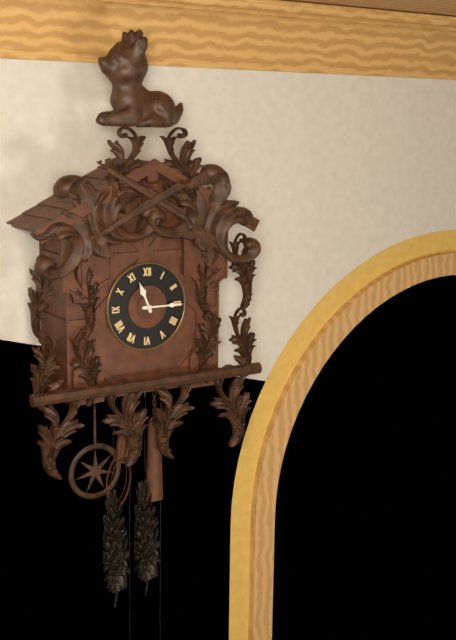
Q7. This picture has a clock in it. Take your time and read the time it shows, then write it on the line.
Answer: 11:15
